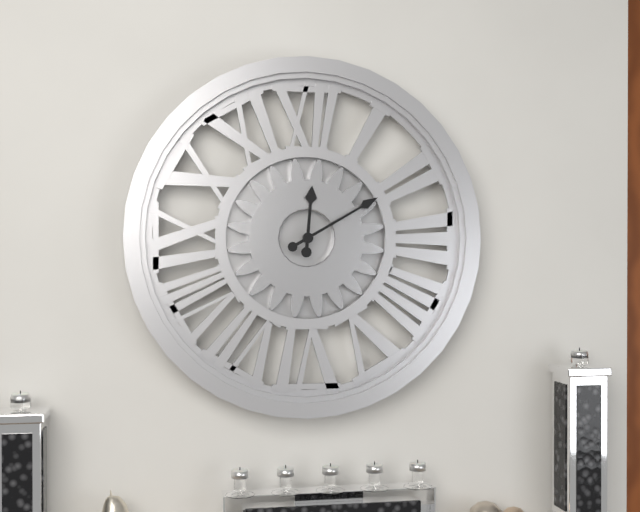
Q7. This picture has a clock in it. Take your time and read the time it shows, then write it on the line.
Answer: 12:10
